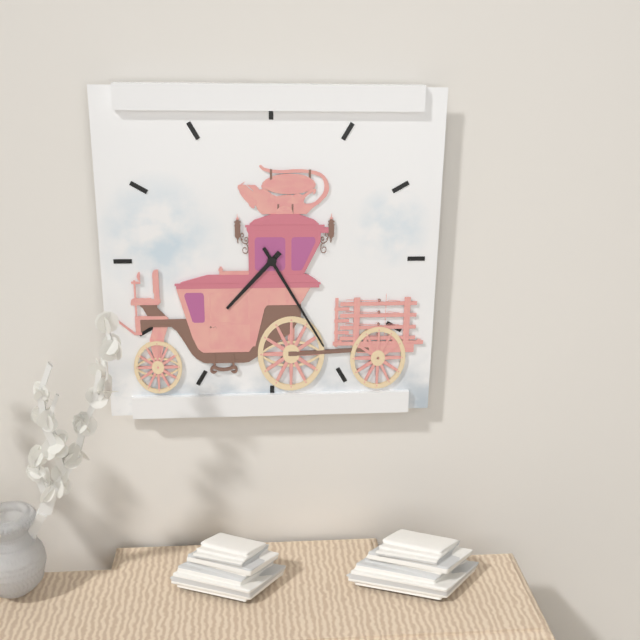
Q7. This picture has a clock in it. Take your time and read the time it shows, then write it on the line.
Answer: 7:25
